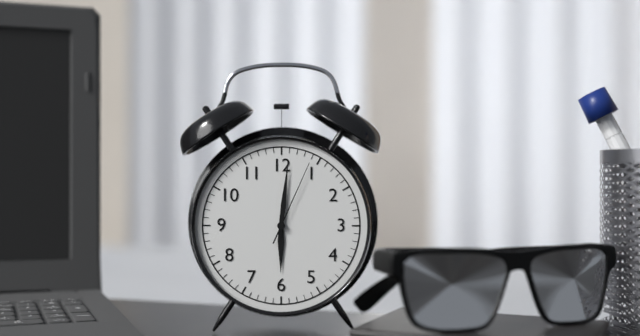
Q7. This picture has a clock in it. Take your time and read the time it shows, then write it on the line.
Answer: 6:01:04
